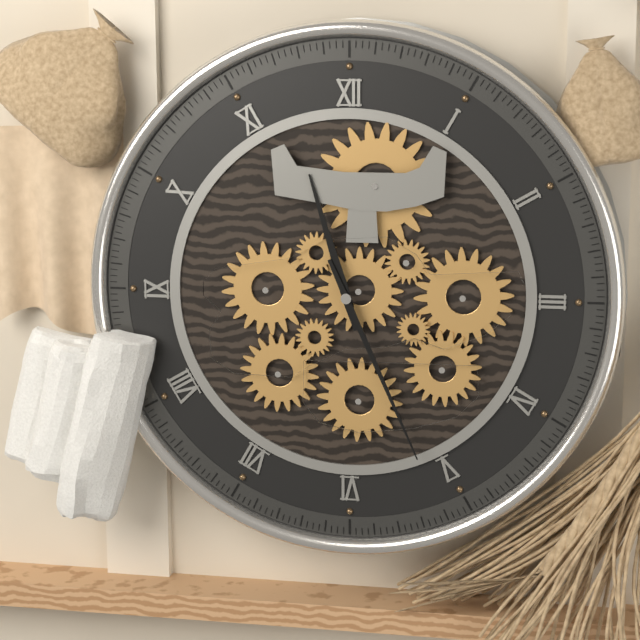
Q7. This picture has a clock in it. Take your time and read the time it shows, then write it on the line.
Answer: 11:26
